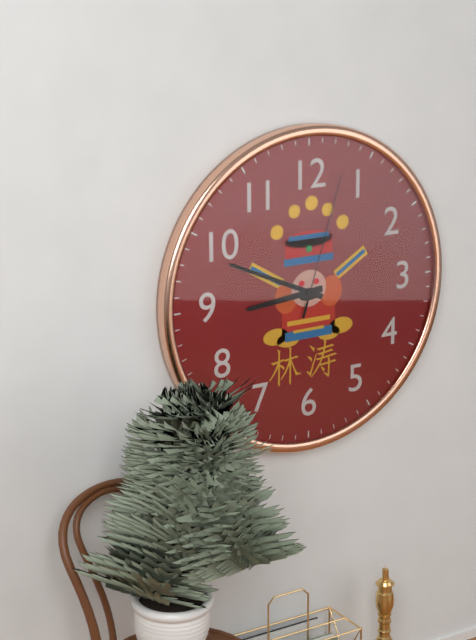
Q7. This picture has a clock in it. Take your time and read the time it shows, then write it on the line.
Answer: 8:49:03
